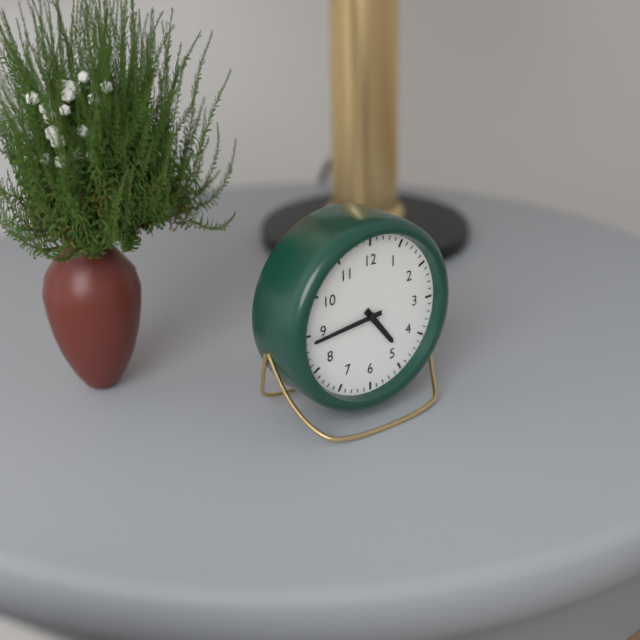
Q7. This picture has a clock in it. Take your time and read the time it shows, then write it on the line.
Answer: 4:44
